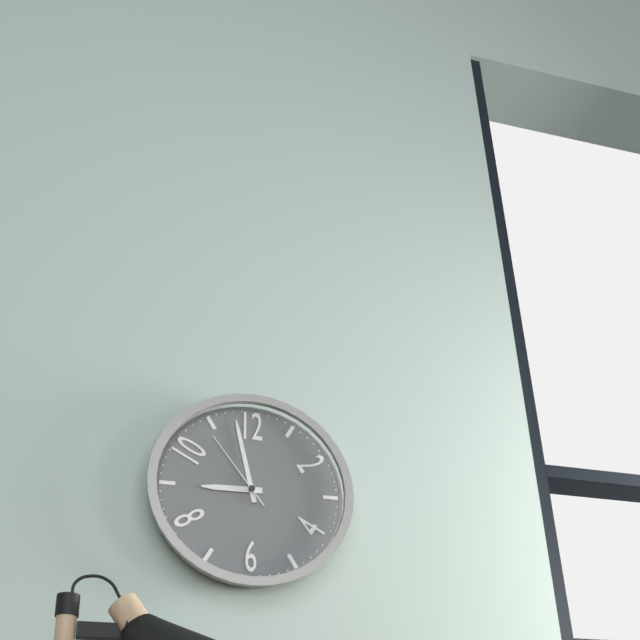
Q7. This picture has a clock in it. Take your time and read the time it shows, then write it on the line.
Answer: 8:58:54
